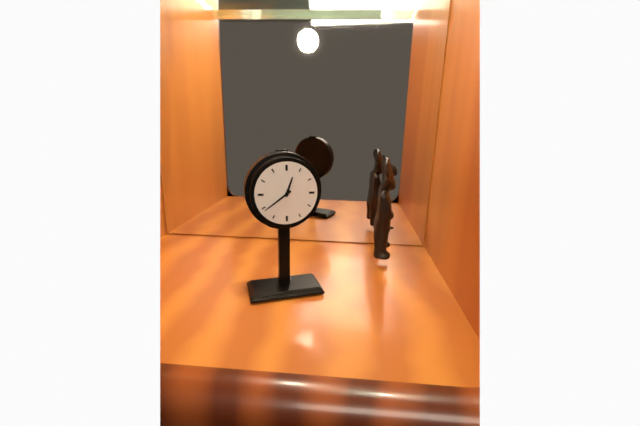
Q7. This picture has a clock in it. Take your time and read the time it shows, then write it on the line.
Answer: 12:39
